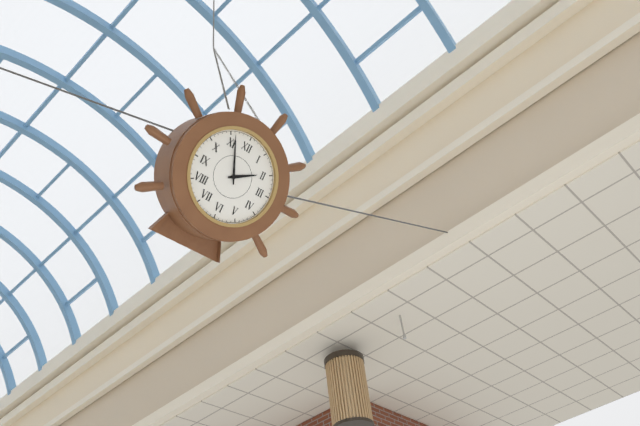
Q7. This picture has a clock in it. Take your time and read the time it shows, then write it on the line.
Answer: 1:56
